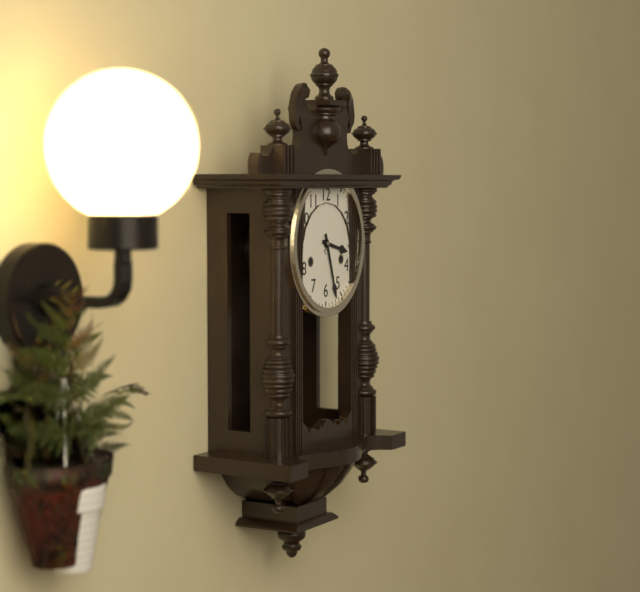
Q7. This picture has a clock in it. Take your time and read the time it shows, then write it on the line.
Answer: 3:27
